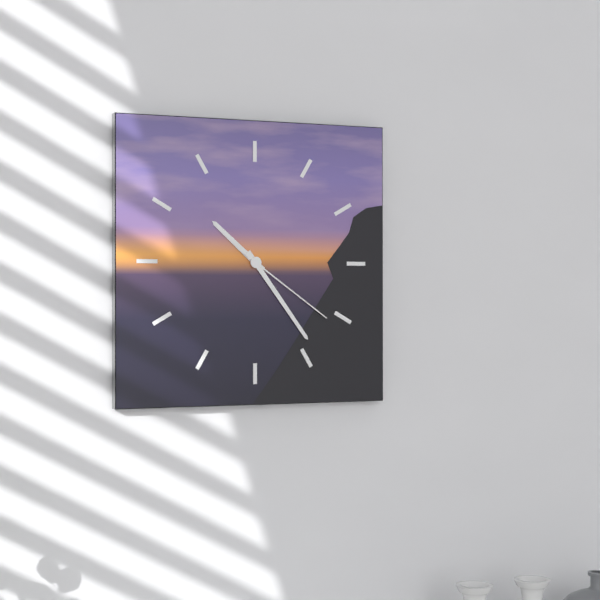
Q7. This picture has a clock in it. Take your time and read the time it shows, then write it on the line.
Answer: 10:24:21
